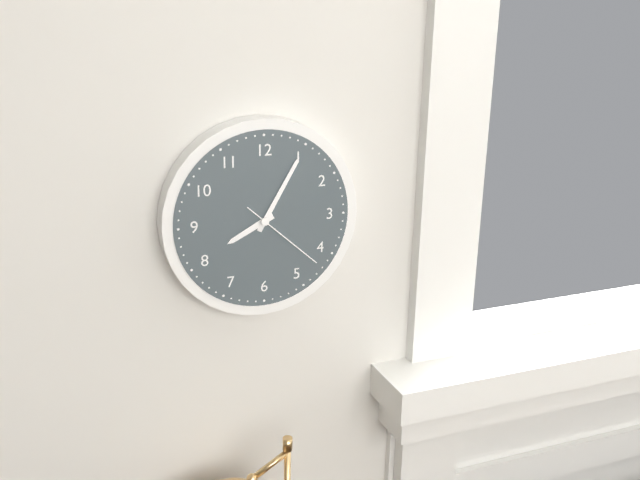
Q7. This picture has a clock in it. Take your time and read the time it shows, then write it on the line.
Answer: 8:05:22
